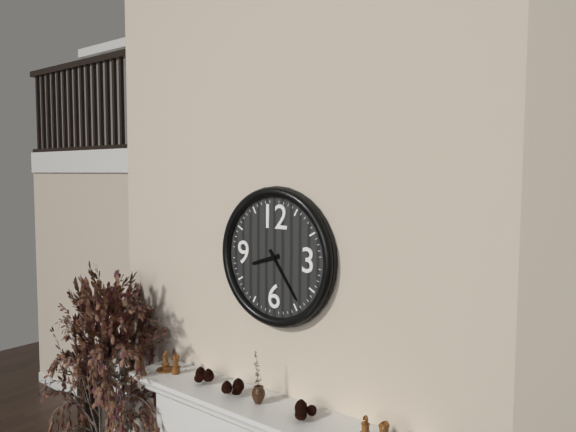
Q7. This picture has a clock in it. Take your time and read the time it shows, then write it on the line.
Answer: 8:24
